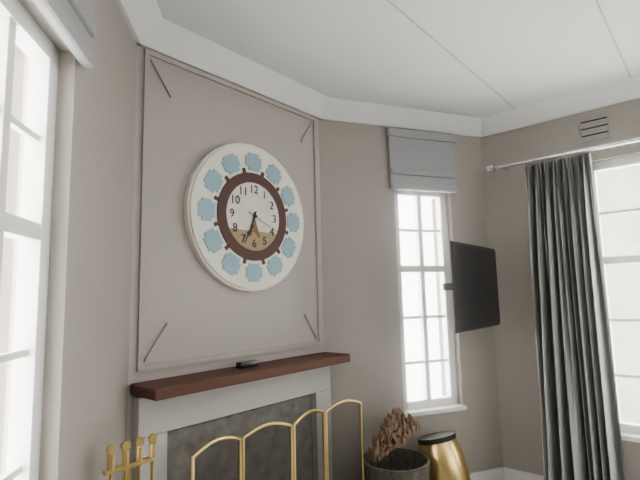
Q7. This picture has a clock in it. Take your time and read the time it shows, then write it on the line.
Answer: 6:34
